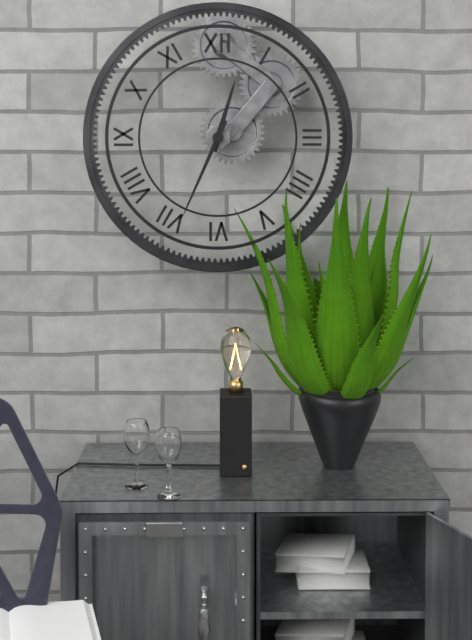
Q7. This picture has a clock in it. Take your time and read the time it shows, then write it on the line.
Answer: 12:34
